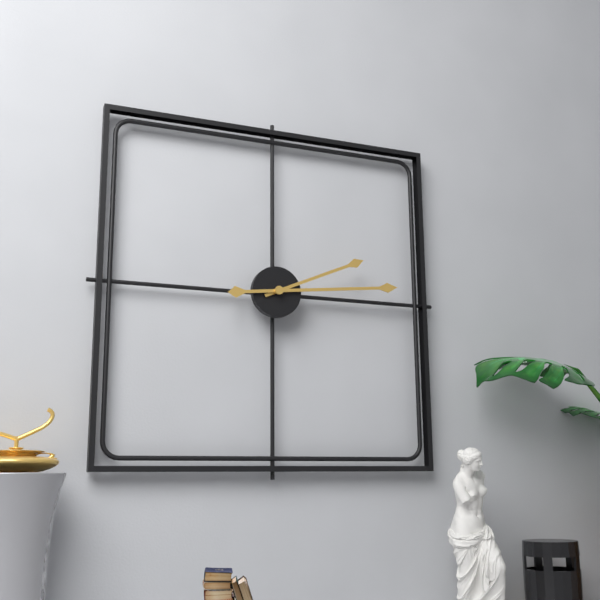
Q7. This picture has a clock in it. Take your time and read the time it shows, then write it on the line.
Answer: 2:14
